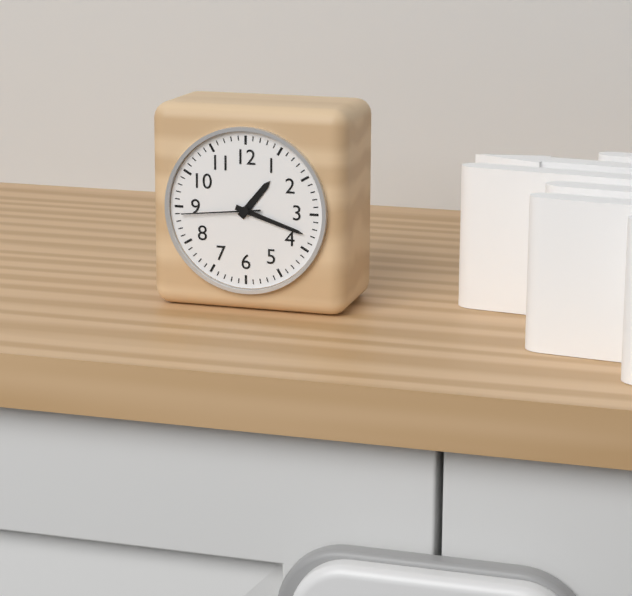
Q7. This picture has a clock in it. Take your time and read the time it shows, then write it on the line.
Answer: 1:18:44
